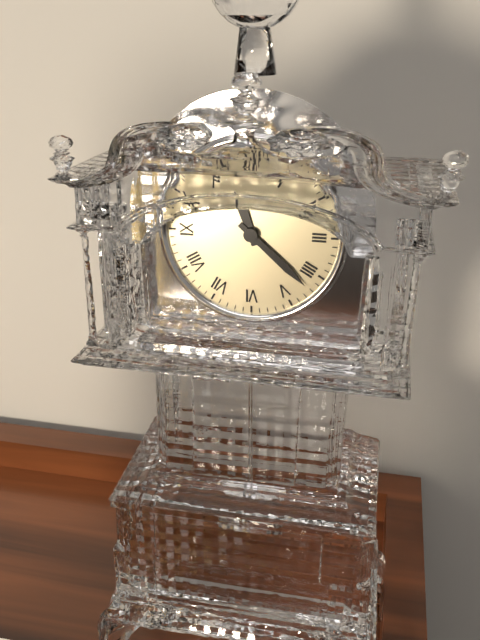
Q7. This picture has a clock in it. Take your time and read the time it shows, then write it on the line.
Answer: 11:22
